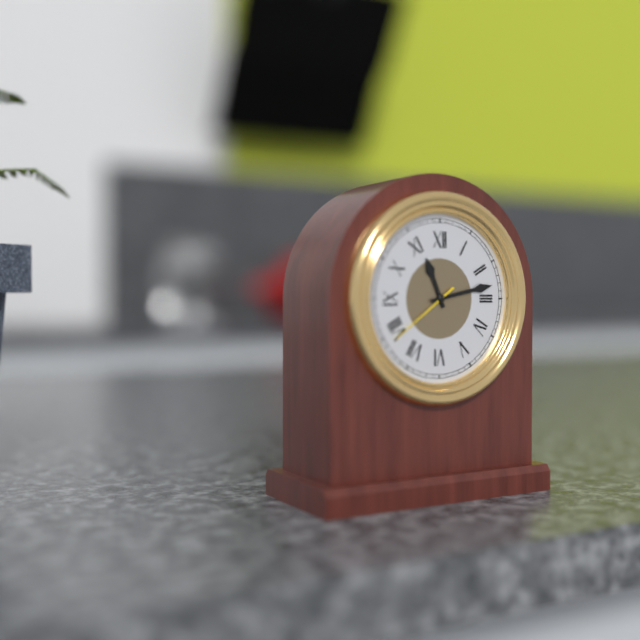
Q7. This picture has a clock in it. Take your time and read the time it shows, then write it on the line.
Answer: 11:13:39
